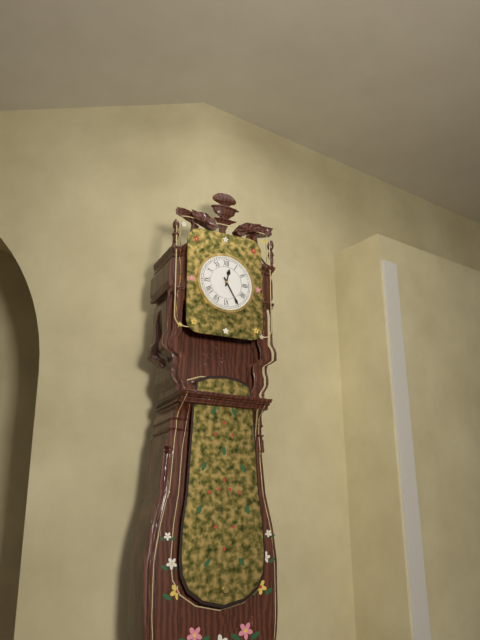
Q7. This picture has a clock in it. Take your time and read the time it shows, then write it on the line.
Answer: 12:25
